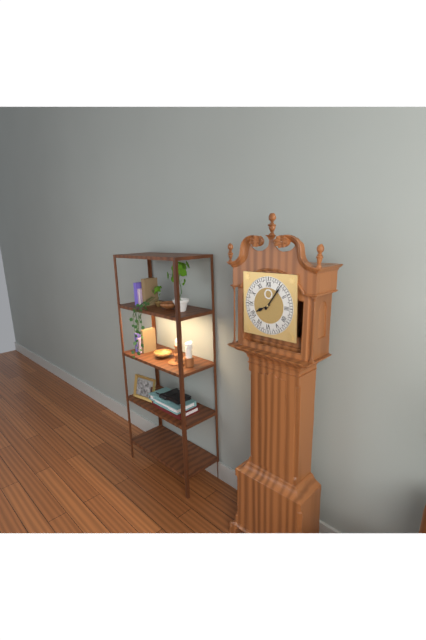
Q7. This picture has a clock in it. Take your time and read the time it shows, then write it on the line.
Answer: 8:06
